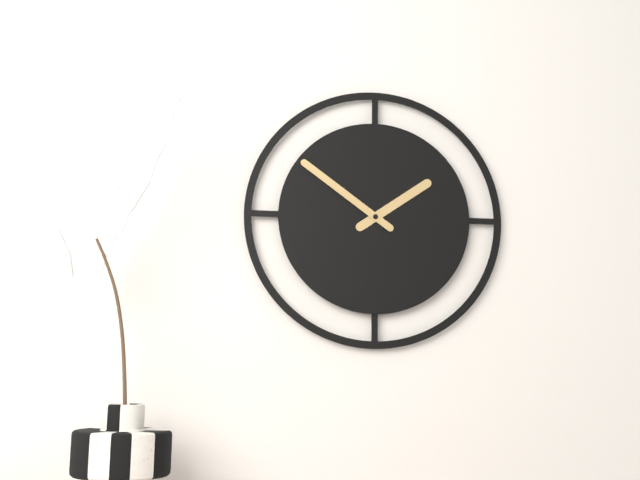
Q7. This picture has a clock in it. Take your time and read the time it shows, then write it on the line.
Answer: 1:51
